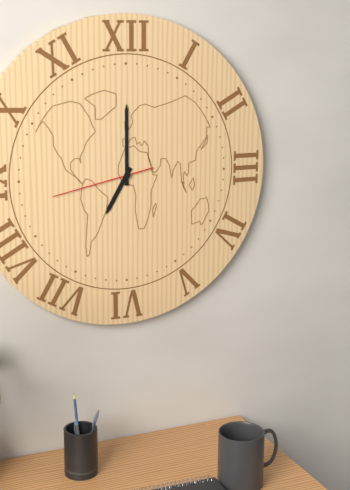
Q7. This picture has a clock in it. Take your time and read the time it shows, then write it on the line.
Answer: 7:00:43
